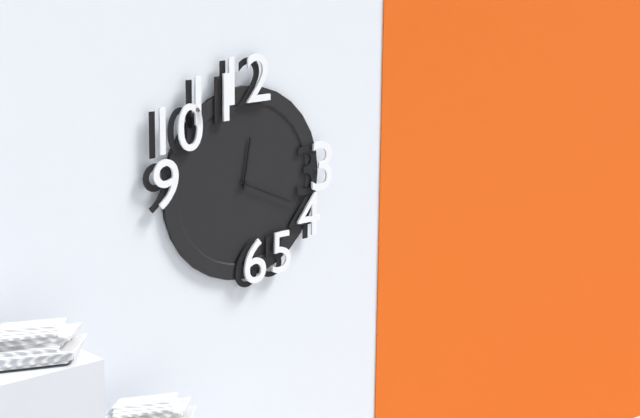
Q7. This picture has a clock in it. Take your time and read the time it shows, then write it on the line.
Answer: 12:19
